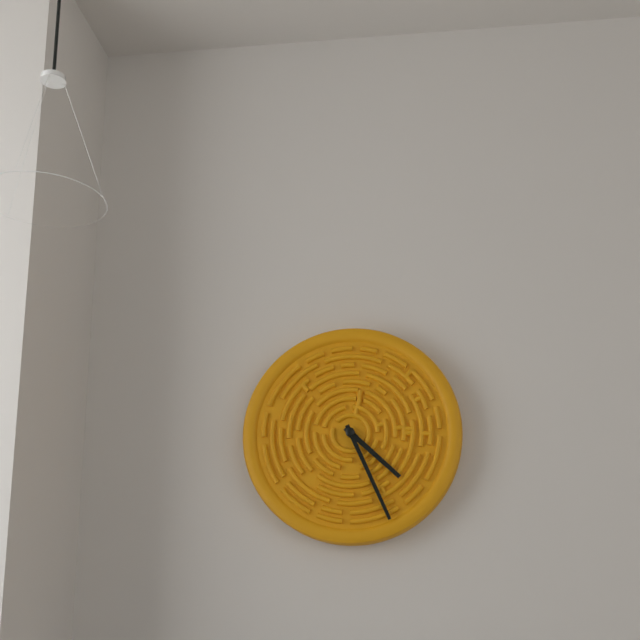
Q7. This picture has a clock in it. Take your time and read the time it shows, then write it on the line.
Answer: 4:26
